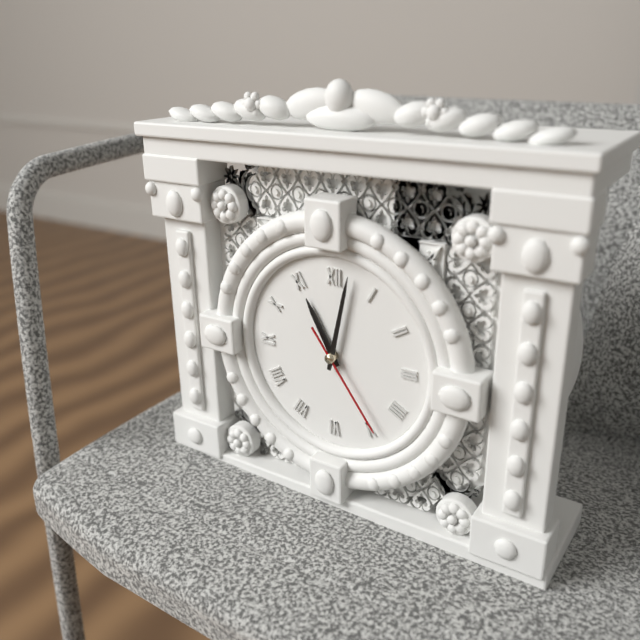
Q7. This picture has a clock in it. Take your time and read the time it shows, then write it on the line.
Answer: 11:02:24
